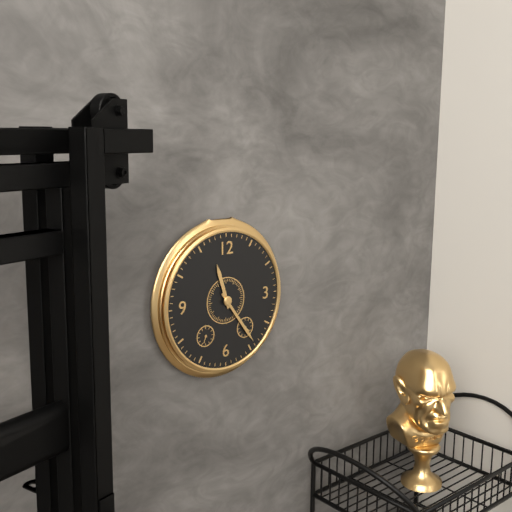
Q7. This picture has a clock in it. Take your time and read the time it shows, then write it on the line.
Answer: 11:24
